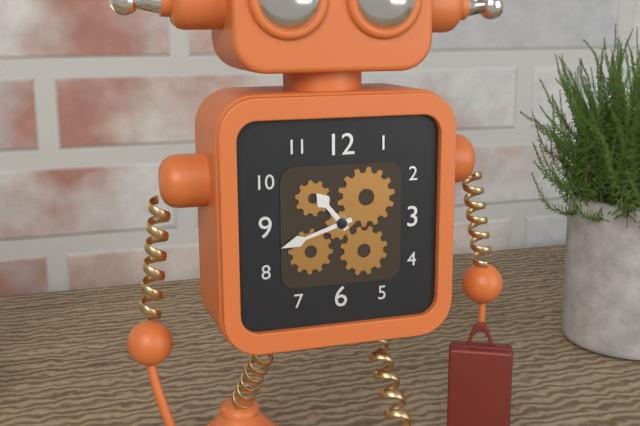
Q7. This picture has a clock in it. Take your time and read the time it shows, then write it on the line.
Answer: 10:42
